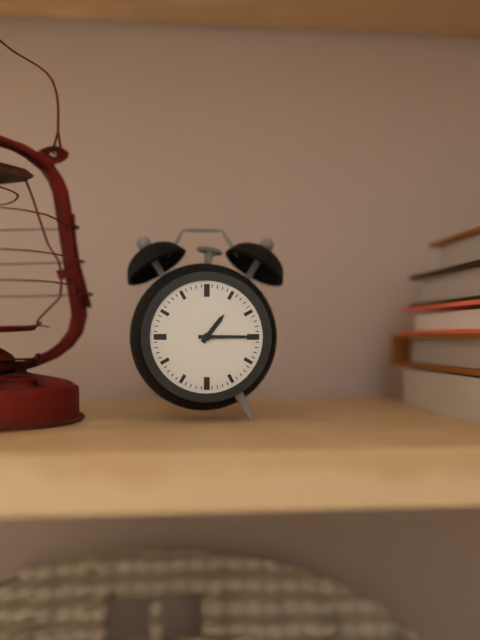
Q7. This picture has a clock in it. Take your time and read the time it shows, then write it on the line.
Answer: 1:15
